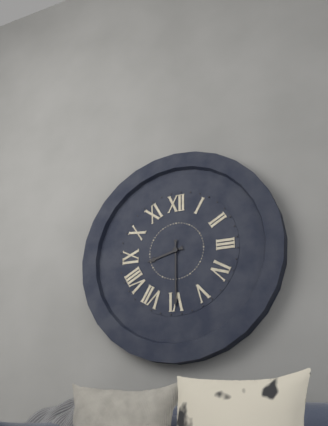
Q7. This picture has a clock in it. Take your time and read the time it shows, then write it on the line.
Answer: 8:30
